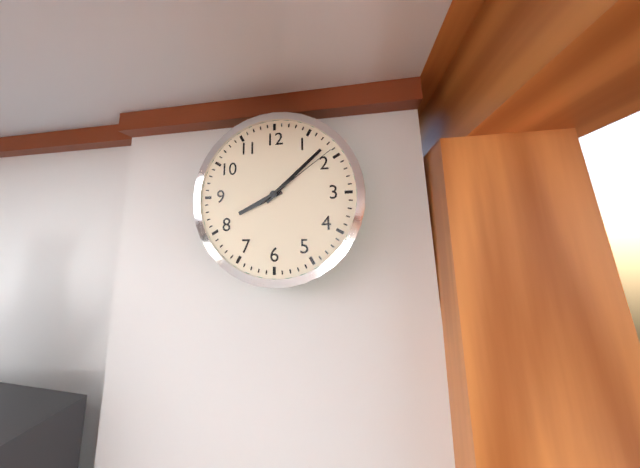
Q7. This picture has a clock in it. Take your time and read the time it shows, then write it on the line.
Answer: 8:08:09
